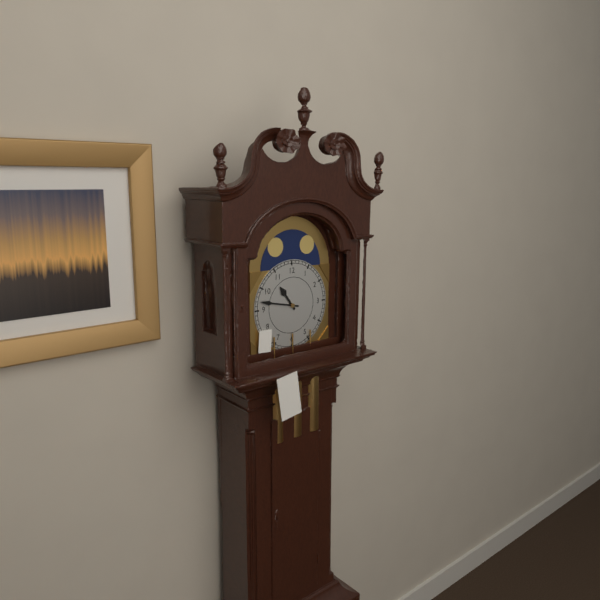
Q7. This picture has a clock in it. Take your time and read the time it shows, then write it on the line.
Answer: 10:47
